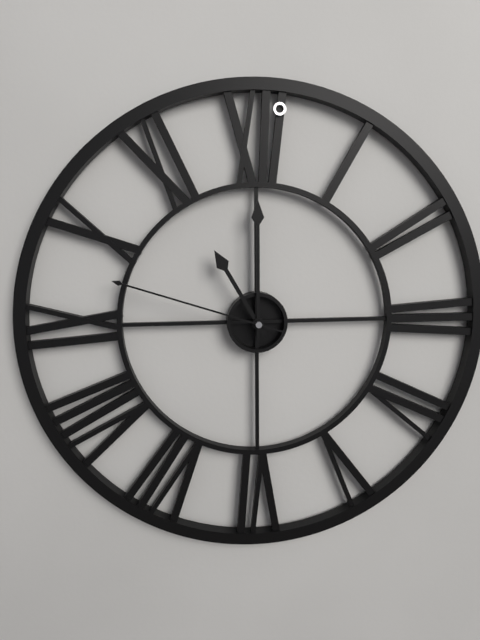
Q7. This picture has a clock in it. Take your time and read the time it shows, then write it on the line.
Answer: 11:00:48
